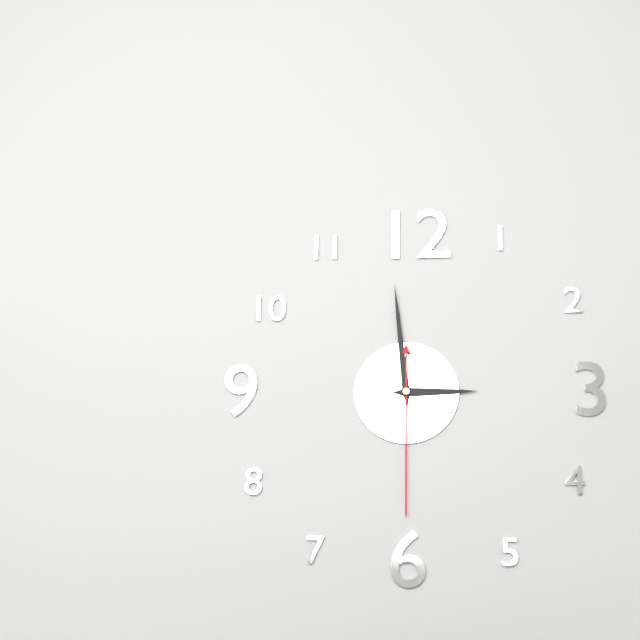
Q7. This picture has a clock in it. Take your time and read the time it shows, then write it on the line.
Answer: 2:59:30
